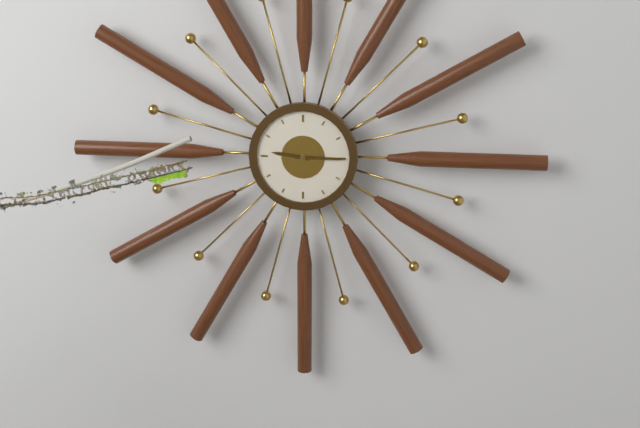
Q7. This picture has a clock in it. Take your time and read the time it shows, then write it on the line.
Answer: 9:15
